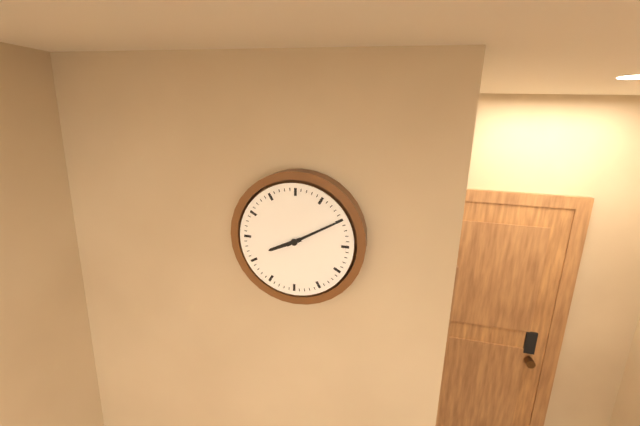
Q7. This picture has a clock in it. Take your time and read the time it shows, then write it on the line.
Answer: 8:10
